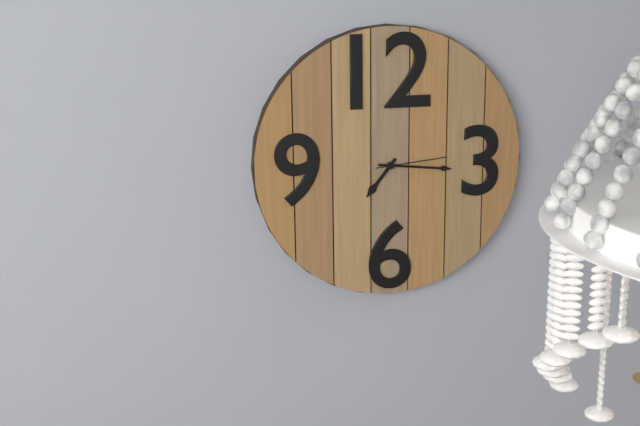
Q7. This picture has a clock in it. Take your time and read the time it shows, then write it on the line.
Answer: 7:16:14
